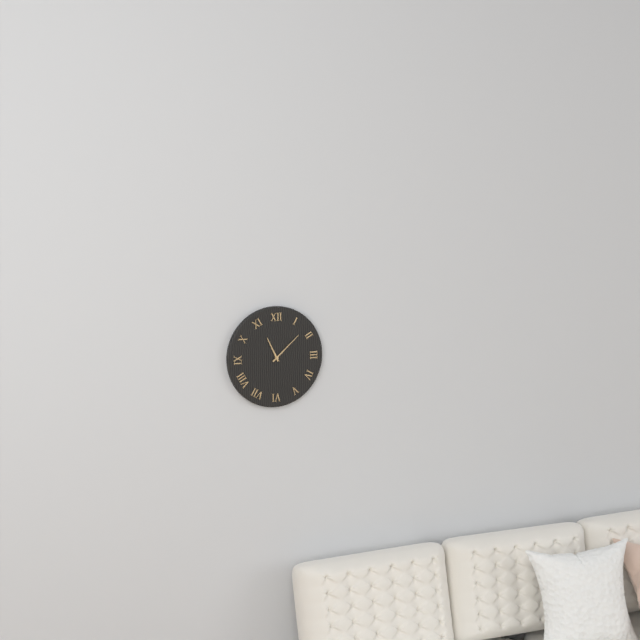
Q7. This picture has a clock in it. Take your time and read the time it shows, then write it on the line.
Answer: 11:08
